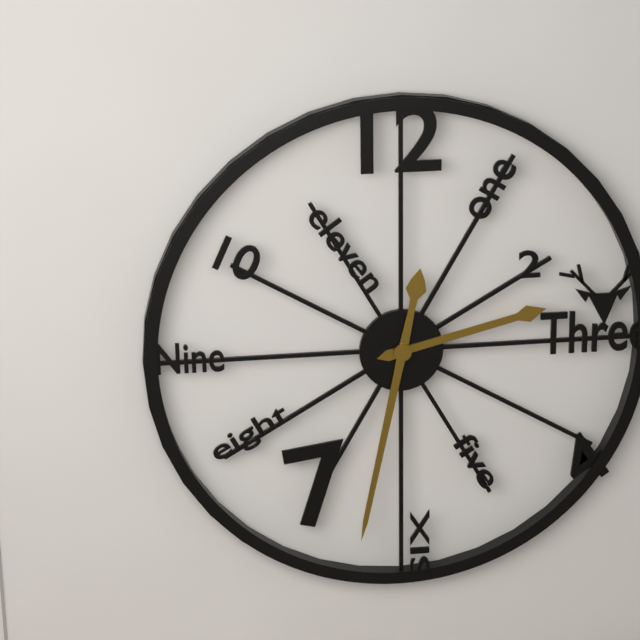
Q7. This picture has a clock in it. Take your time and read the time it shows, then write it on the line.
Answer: 2:32
